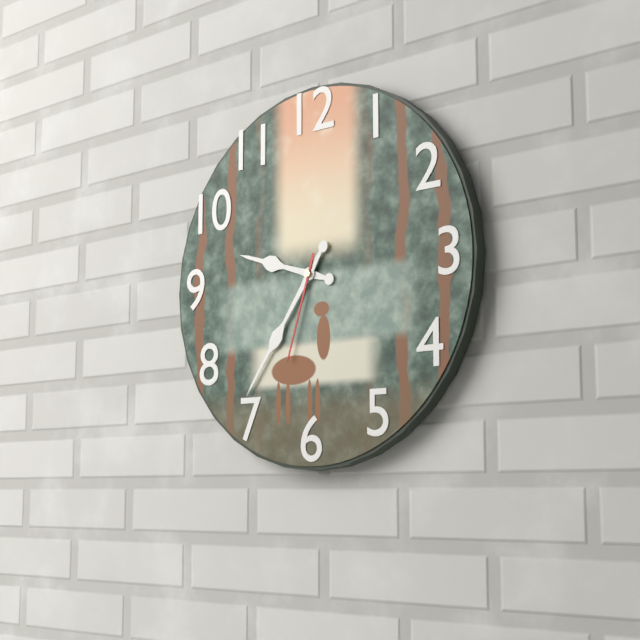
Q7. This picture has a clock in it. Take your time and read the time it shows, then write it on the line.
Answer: 9:36:33
